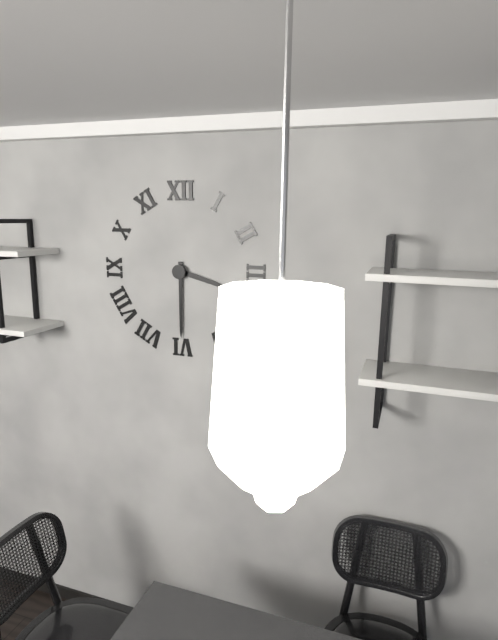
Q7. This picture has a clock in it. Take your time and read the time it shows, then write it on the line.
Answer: 3:30
